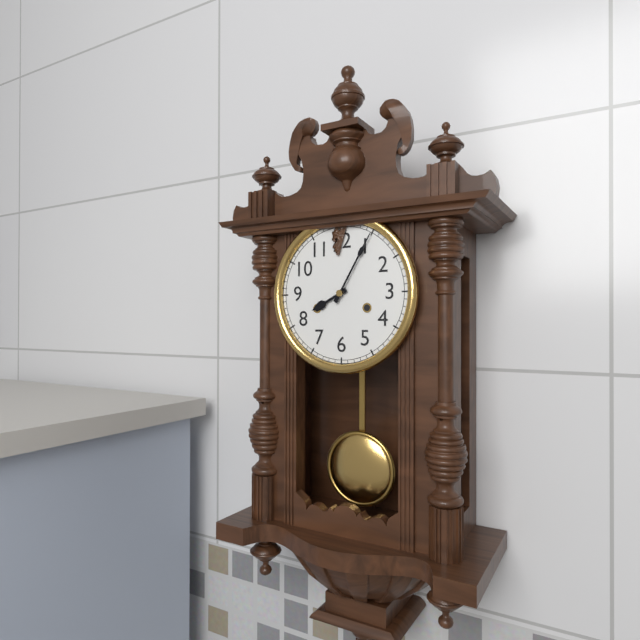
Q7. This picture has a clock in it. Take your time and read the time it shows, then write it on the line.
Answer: 8:05
